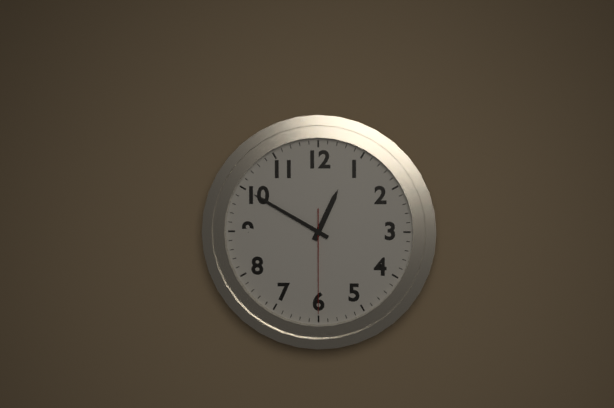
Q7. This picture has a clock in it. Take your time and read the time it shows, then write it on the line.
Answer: 12:50:30
